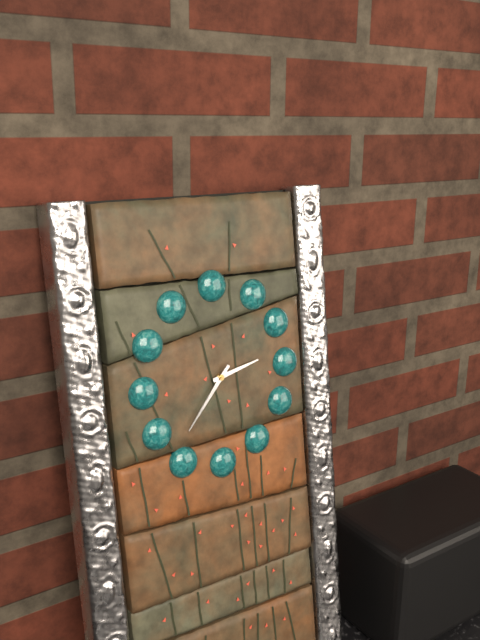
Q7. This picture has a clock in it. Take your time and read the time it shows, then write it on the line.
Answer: 2:37
